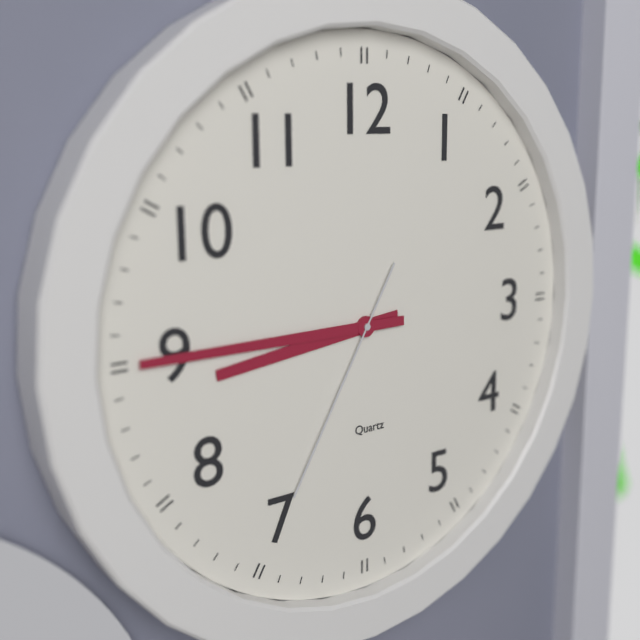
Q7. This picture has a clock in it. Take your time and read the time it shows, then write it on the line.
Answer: 8:45:35
